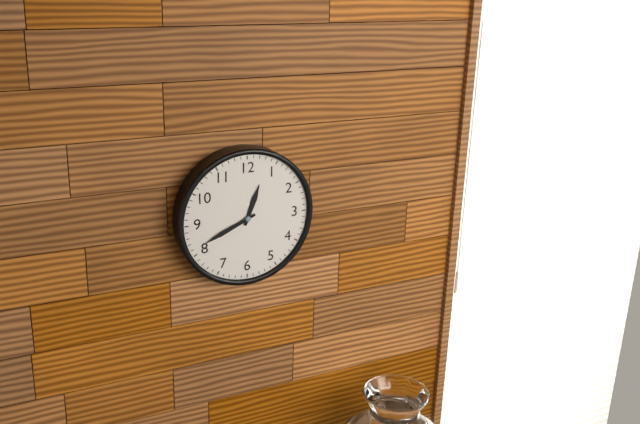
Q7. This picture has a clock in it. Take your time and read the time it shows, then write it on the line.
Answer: 12:41
